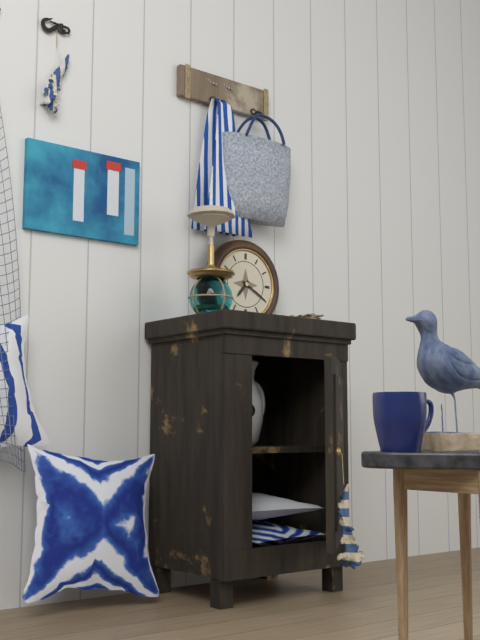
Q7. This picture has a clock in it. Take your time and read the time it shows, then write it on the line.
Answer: 7:20
